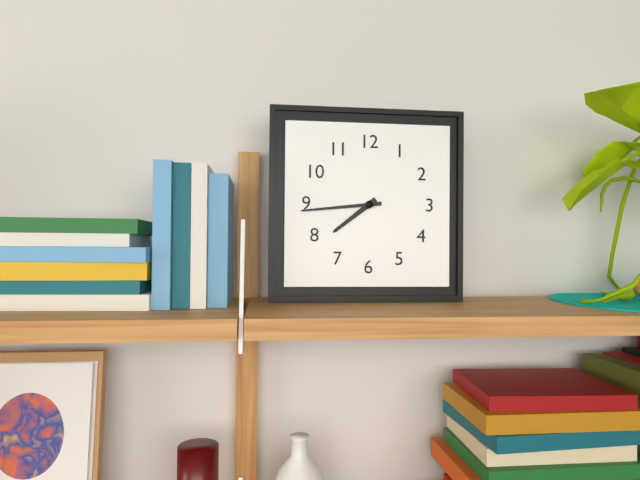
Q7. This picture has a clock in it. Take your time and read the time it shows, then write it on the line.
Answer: 7:44
